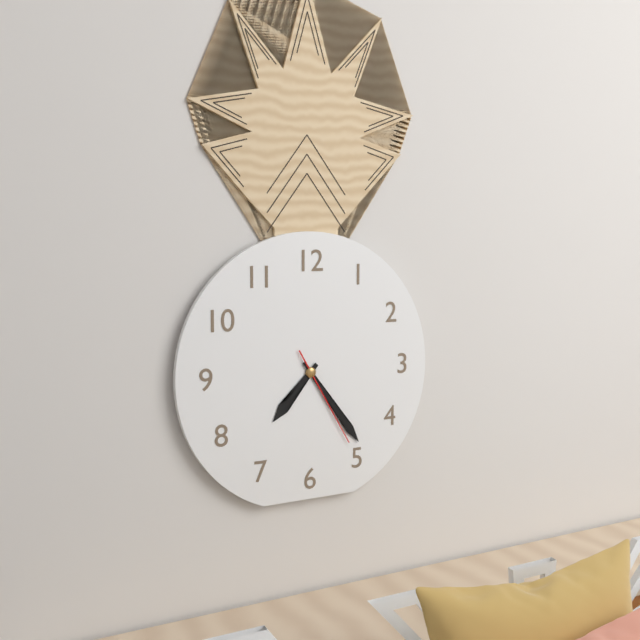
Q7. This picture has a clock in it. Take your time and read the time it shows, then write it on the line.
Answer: 7:24:25
